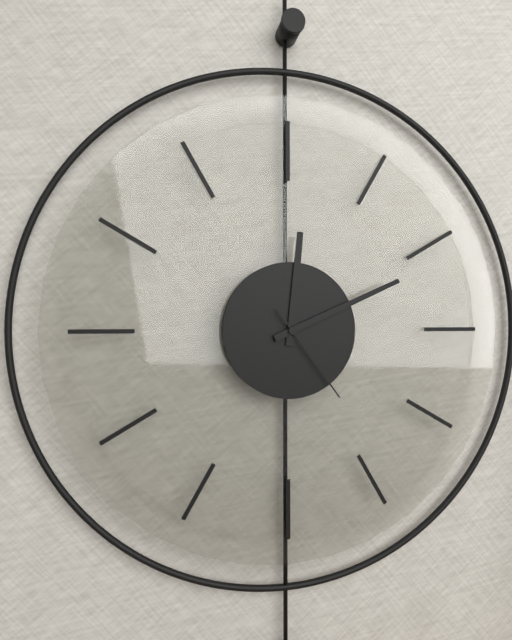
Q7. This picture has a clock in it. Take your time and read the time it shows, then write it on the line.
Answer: 12:11:24
